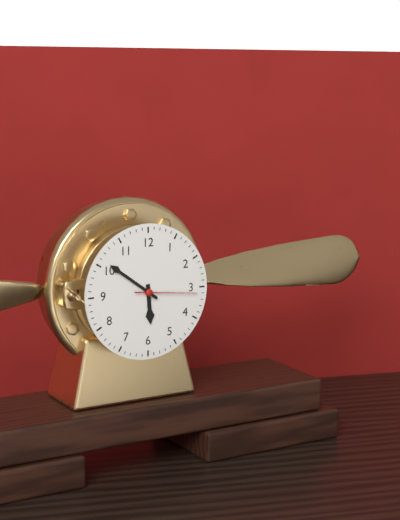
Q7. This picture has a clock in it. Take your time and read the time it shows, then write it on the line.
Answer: 5:51:16
